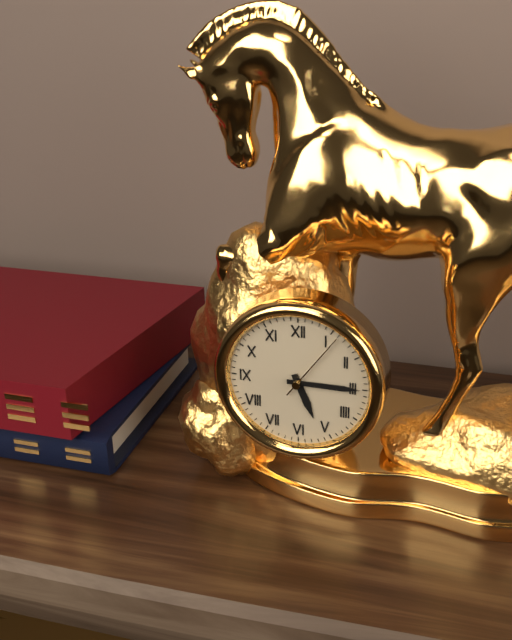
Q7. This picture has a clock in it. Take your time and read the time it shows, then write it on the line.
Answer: 5:15:06
